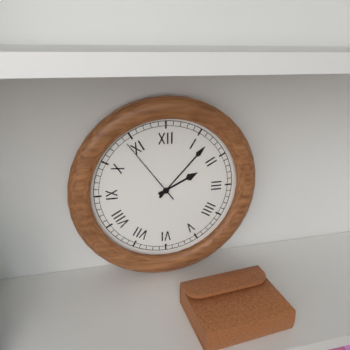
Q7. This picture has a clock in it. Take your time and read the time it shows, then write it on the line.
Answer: 2:07:54
